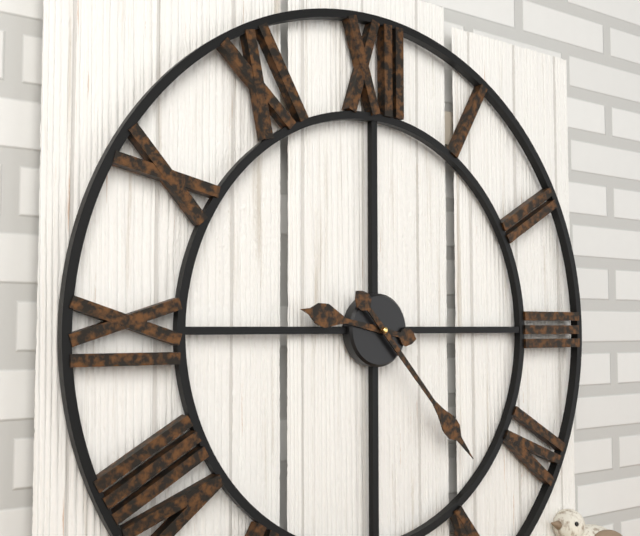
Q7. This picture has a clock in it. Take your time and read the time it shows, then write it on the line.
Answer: 9:23
